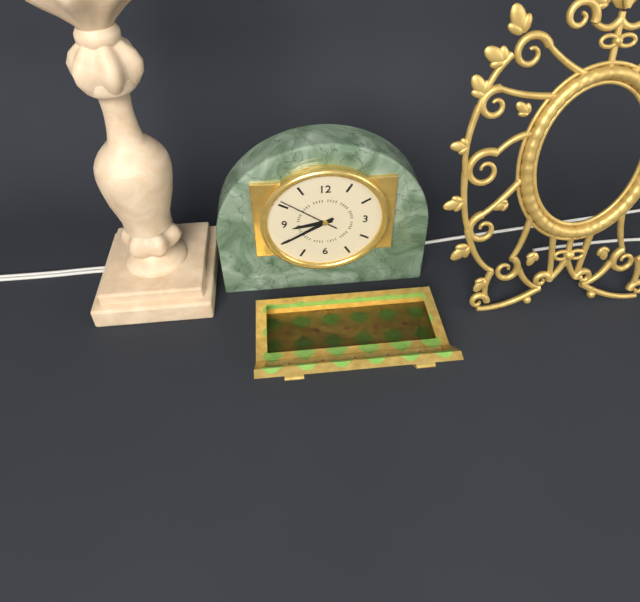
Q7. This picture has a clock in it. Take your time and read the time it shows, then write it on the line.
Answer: 8:40:51
